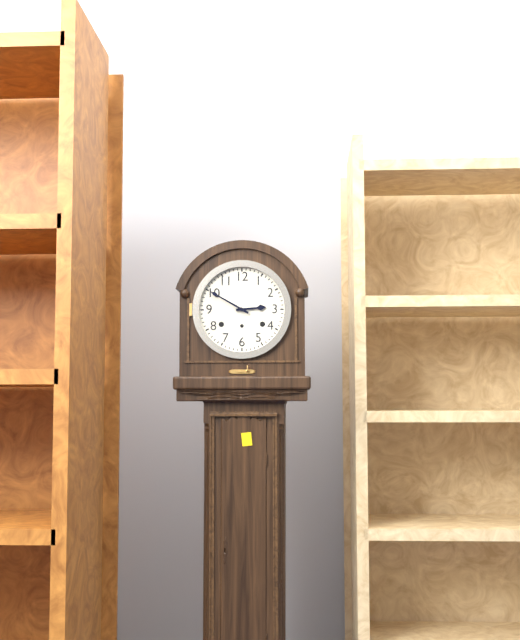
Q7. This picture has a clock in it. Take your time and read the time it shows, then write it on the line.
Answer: 2:50
